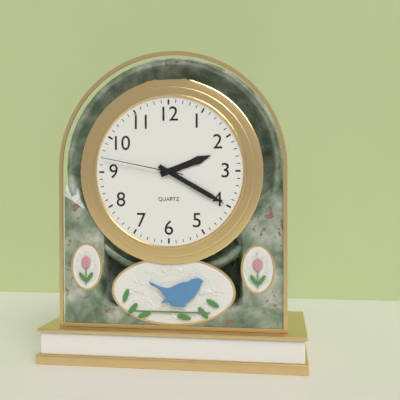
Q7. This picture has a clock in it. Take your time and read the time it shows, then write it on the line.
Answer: 2:20:47
